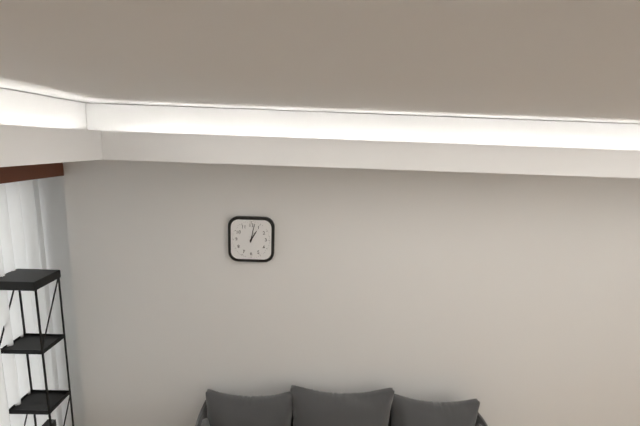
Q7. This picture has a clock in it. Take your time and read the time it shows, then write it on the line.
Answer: 1:02
